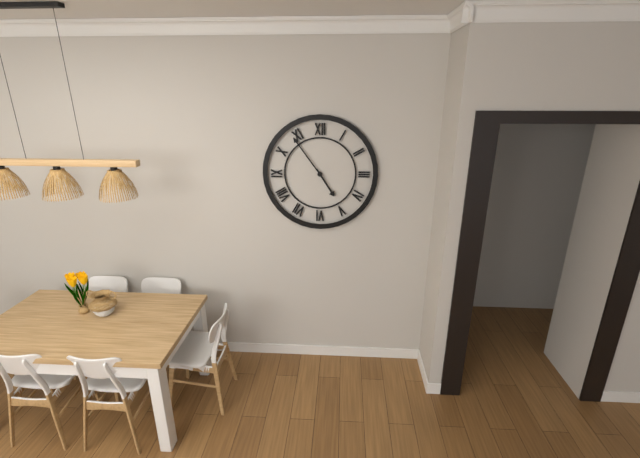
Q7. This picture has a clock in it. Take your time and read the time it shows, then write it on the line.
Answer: 4:54
